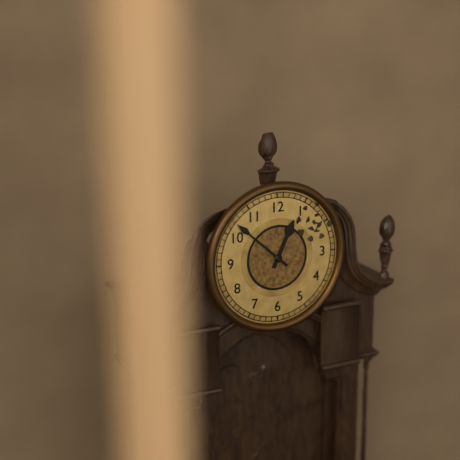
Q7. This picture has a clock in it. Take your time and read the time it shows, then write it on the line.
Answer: 12:52
